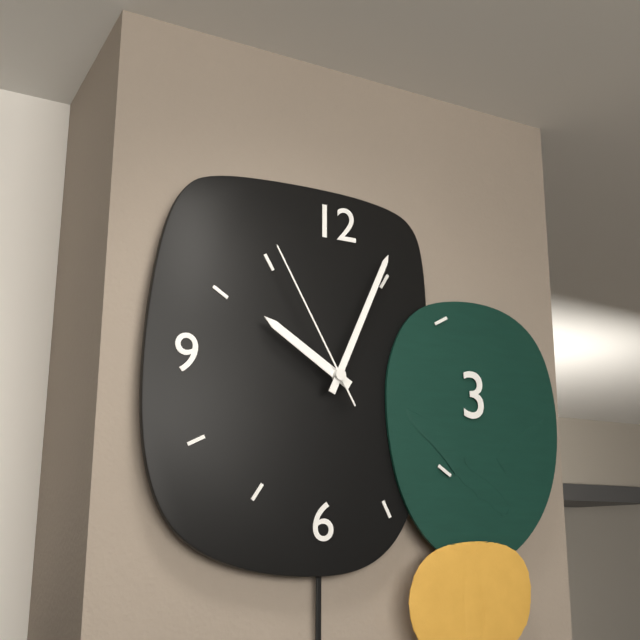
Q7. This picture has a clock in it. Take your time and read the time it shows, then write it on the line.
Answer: 10:04:55
